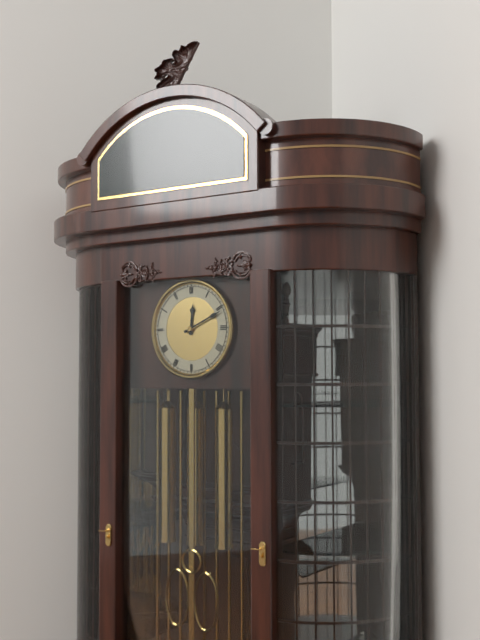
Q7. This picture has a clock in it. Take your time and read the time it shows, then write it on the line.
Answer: 12:11
